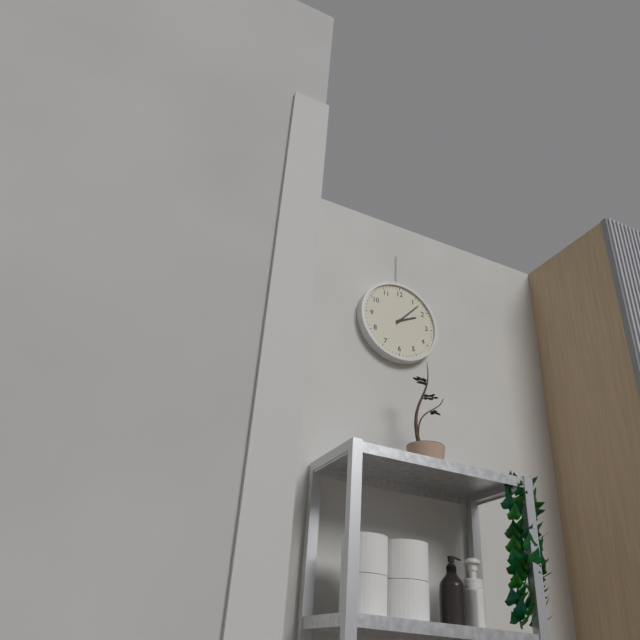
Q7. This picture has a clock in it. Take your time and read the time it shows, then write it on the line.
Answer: 2:07
